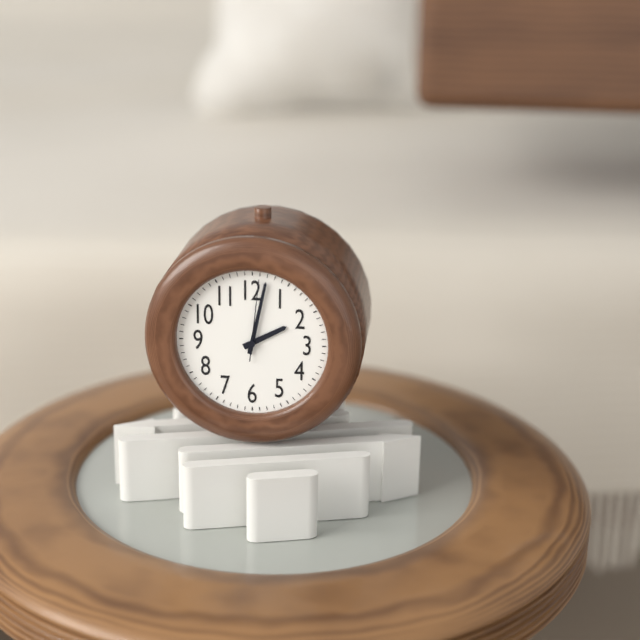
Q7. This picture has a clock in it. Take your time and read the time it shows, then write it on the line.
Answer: 2:02:01
